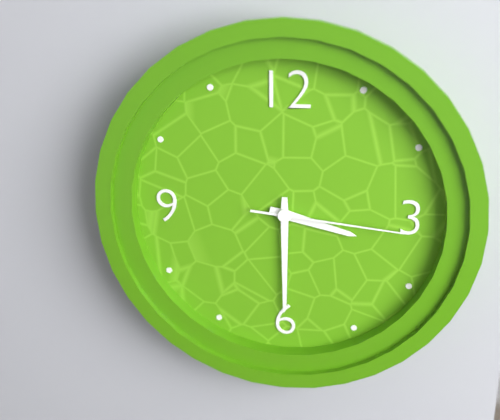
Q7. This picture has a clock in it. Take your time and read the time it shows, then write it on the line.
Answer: 3:30:16
